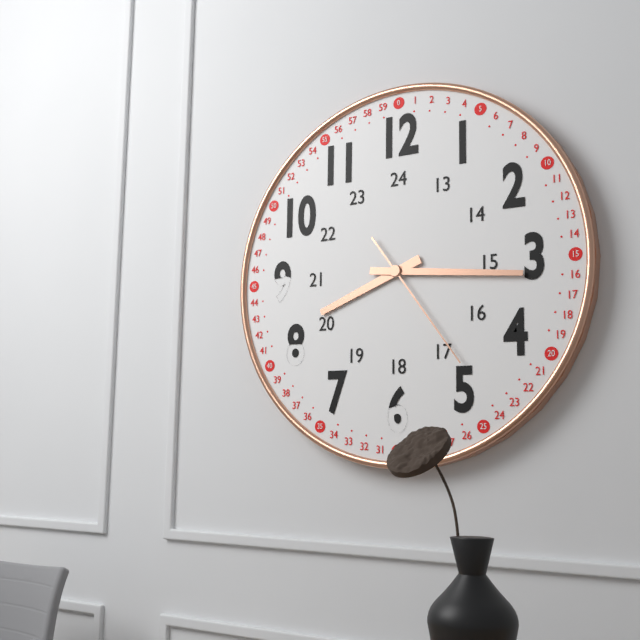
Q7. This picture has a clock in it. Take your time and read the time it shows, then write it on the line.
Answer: 8:16:24
